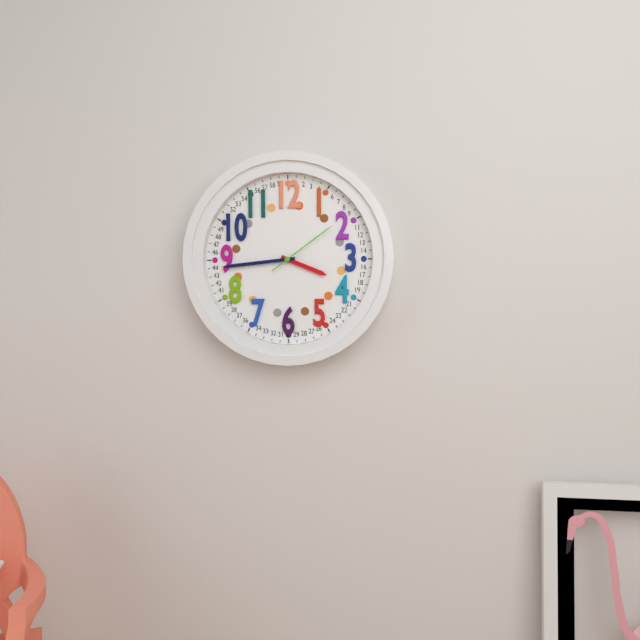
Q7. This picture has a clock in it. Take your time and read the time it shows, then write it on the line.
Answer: 3:44:09
